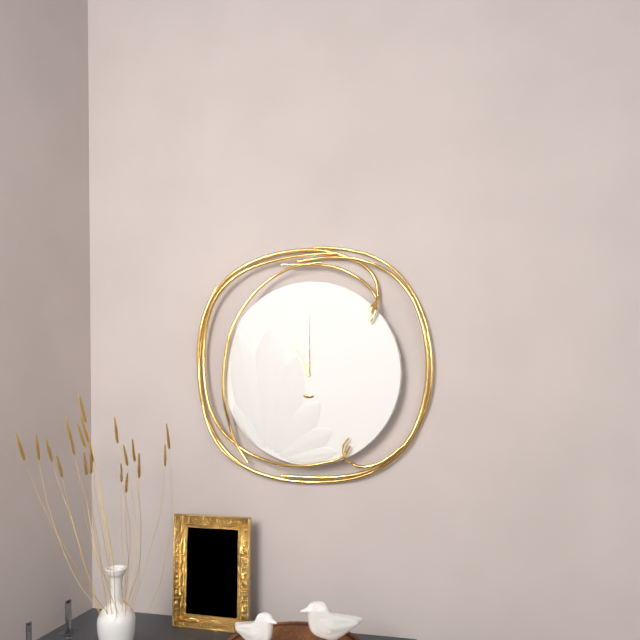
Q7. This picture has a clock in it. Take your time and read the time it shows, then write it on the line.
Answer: 11:00
